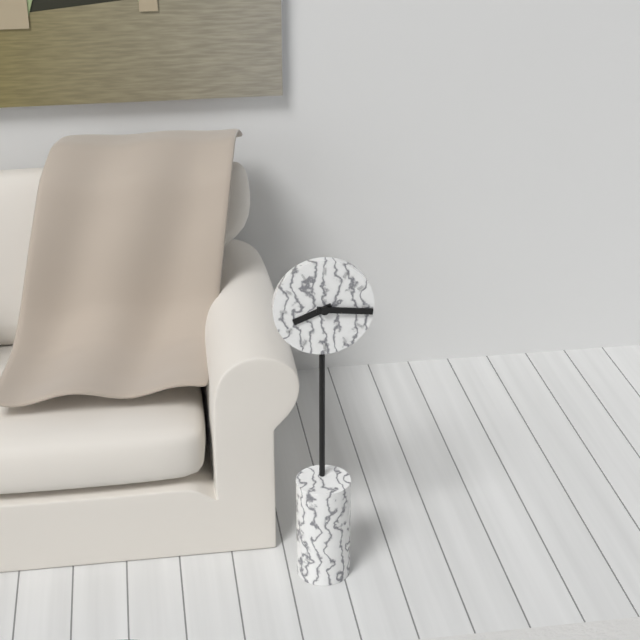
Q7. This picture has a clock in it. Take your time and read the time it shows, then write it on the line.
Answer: 8:16
